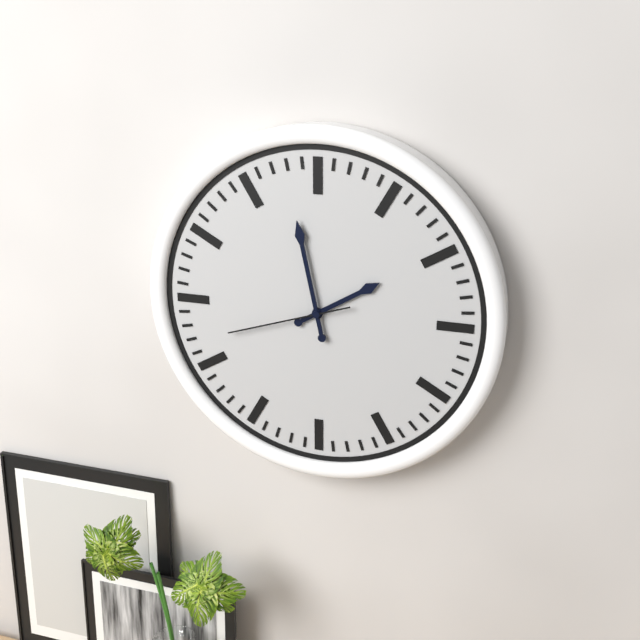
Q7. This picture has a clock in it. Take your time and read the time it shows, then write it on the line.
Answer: 1:58:42
